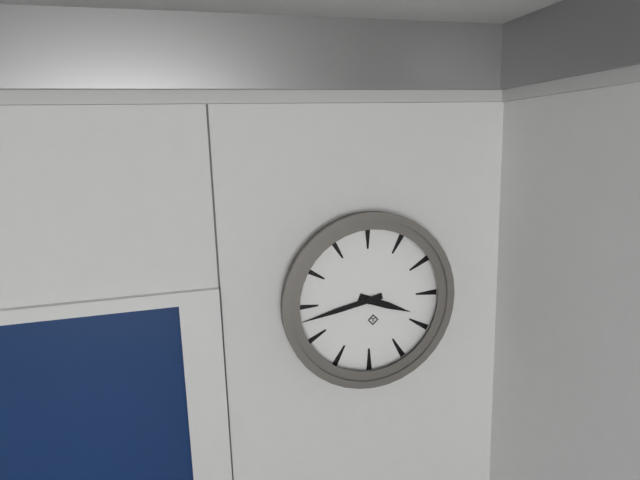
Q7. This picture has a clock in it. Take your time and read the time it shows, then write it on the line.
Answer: 3:43
